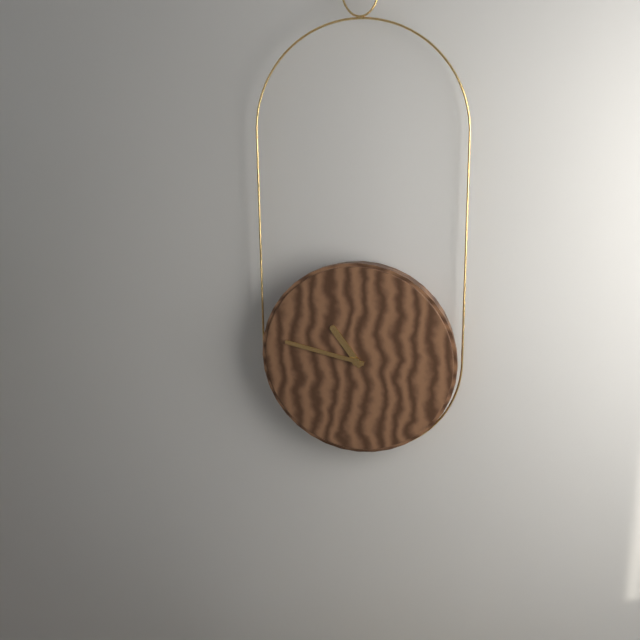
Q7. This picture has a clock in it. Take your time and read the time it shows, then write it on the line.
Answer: 10:47
